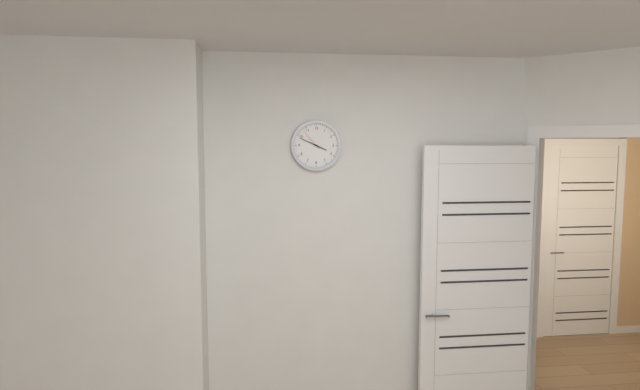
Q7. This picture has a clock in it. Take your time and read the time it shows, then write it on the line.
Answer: 3:49
